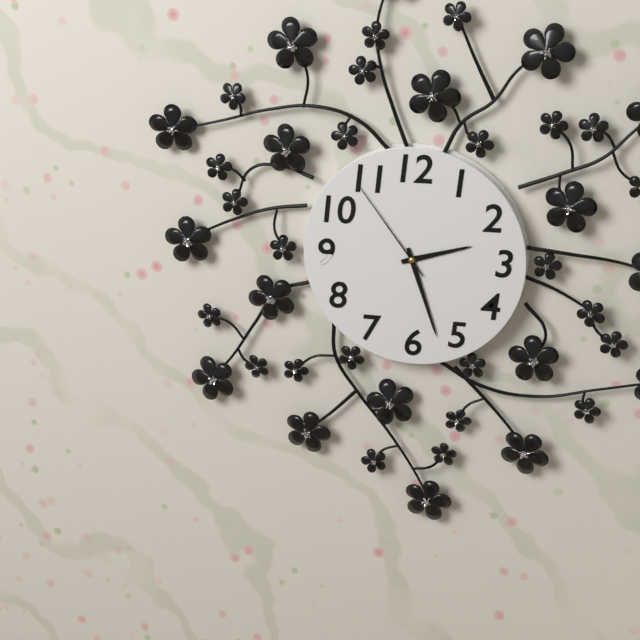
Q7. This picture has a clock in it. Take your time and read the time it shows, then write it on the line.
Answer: 2:27:54
